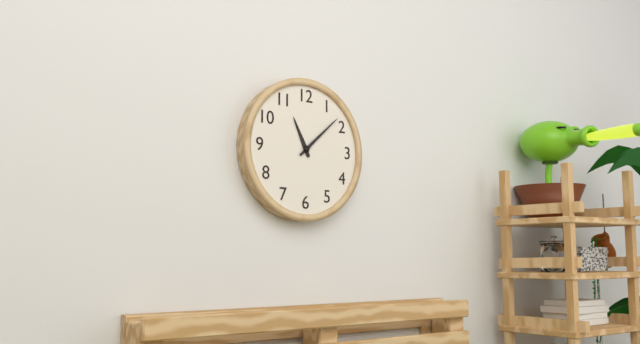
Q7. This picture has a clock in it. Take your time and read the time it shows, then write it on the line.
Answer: 11:08
